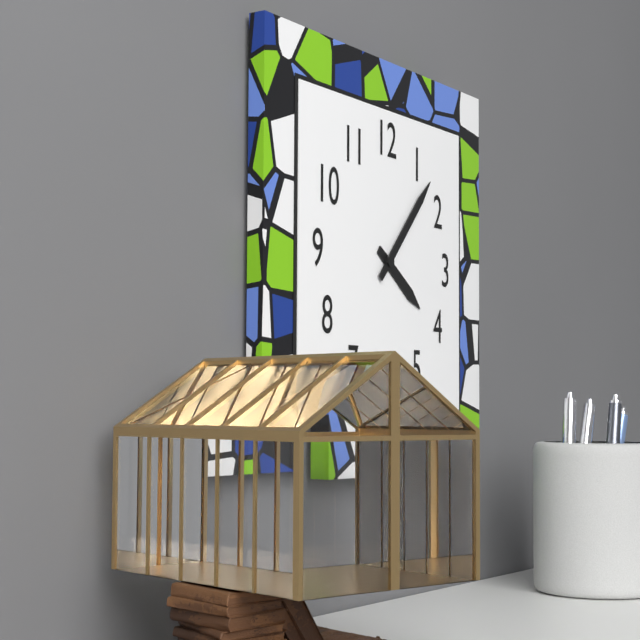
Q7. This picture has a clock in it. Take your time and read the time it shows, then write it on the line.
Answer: 4:07
